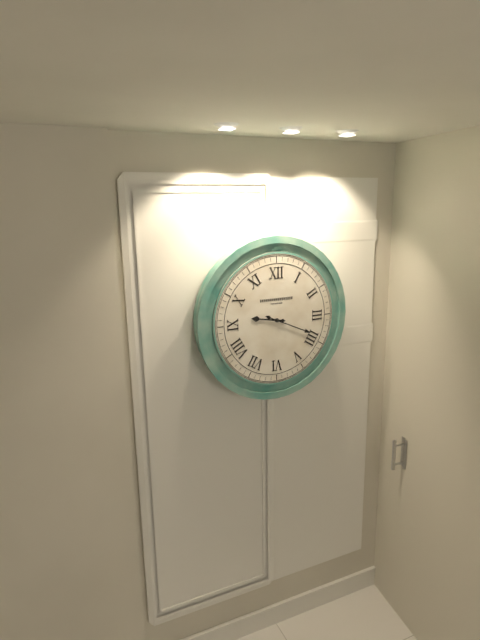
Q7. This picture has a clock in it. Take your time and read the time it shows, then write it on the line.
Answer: 9:19
